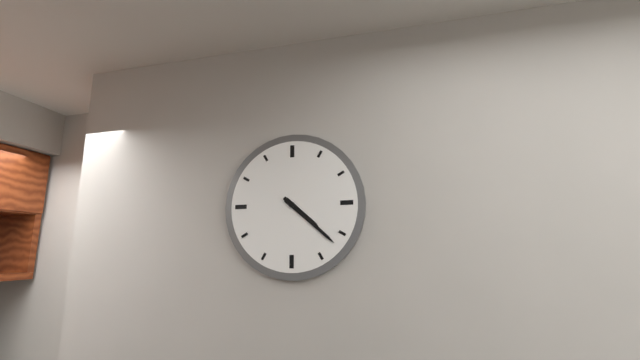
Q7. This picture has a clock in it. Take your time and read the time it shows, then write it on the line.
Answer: 4:22
